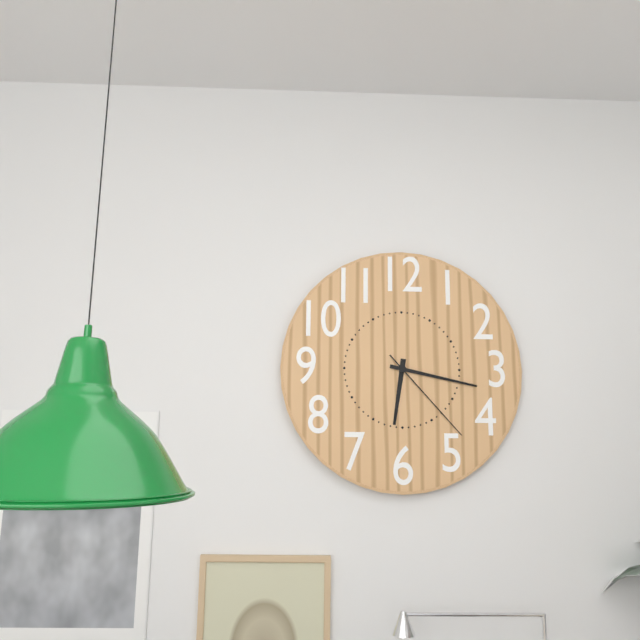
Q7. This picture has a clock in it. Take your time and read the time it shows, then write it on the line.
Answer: 6:17:23
